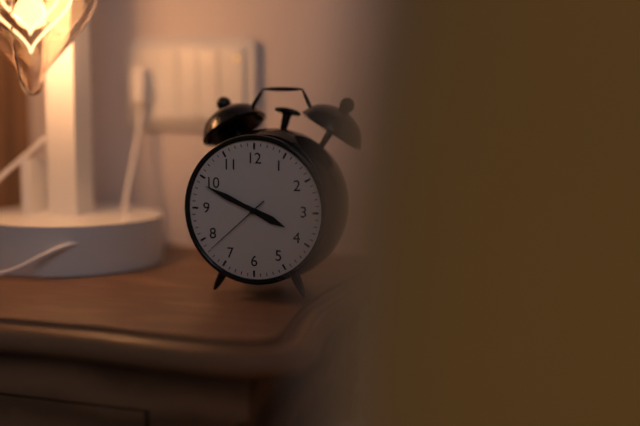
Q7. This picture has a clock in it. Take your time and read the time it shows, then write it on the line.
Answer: 3:49:38
